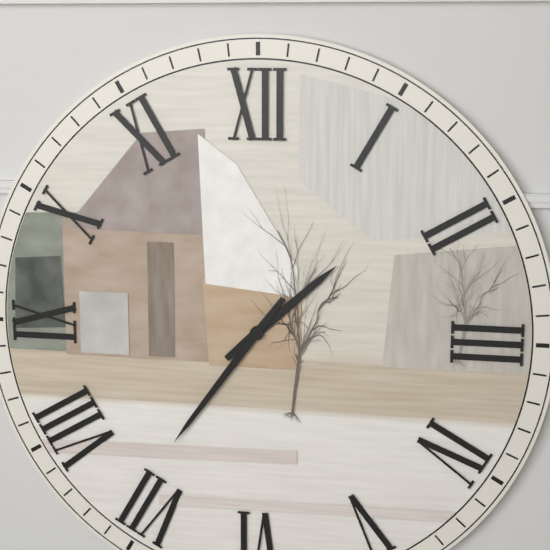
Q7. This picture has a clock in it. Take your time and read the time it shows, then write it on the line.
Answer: 1:36
